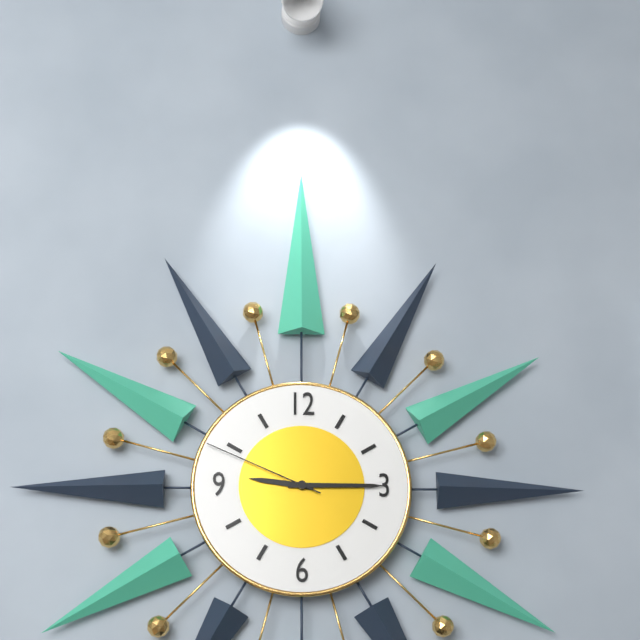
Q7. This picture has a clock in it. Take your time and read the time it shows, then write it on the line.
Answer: 9:15:49
